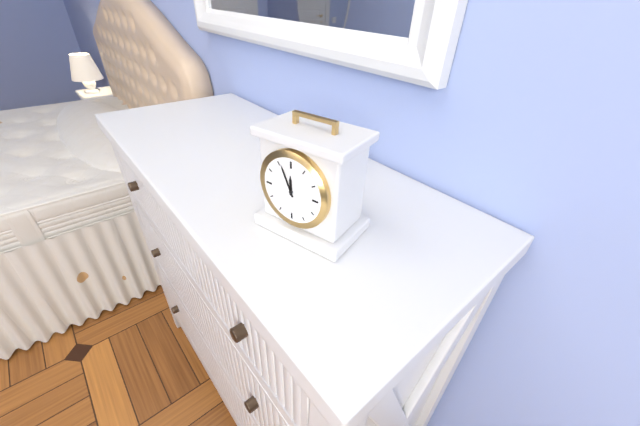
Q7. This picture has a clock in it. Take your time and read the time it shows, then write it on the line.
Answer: 11:56
